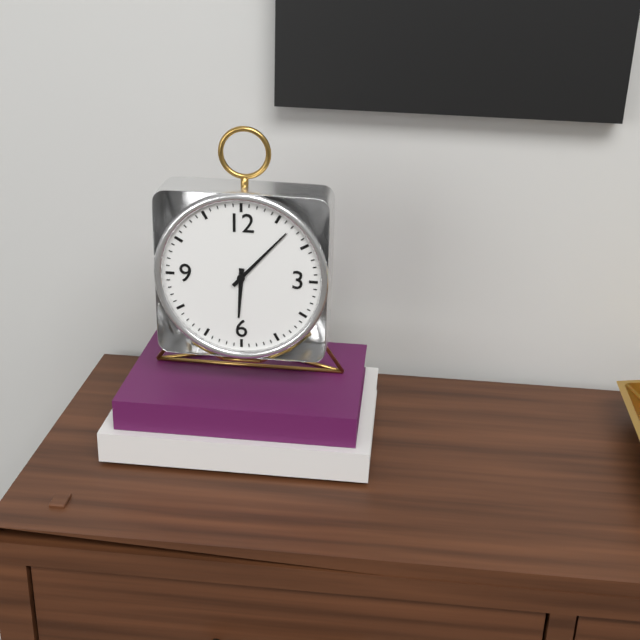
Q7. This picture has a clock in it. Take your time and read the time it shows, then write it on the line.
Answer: 6:07
